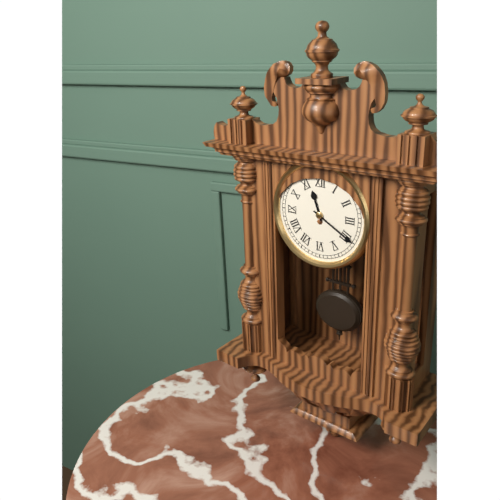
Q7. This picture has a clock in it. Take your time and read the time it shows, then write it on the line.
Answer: 11:20
